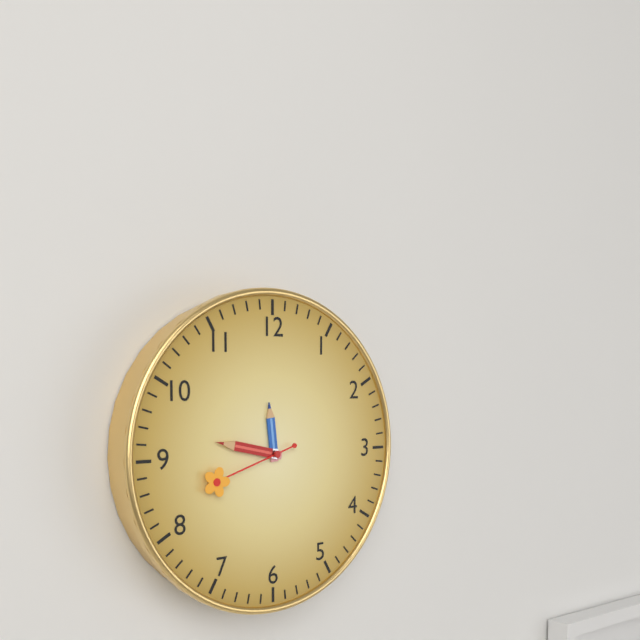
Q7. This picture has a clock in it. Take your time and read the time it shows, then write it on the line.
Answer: 11:47:42
